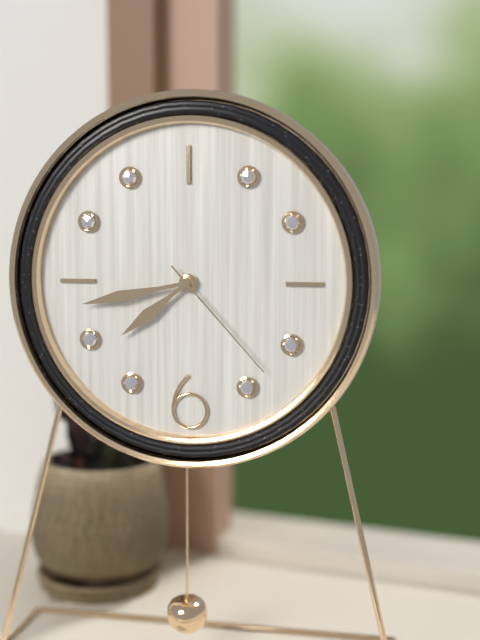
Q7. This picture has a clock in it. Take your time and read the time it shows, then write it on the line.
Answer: 7:43:23
